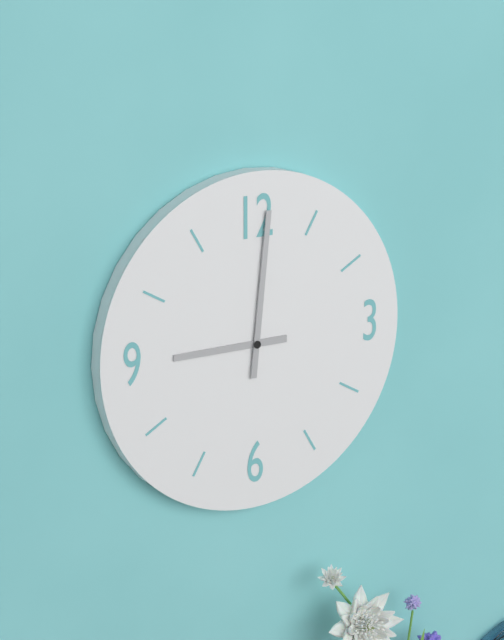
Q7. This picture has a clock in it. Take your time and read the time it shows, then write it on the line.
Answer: 9:01
